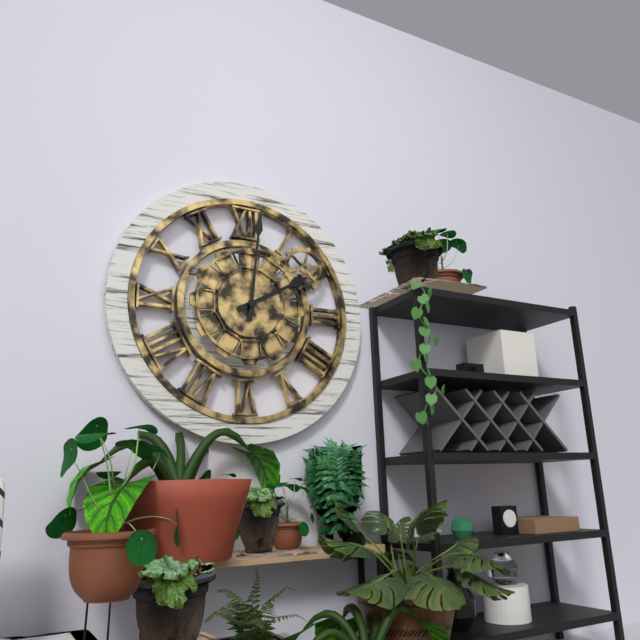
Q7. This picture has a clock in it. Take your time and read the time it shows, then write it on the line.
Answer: 2:01
